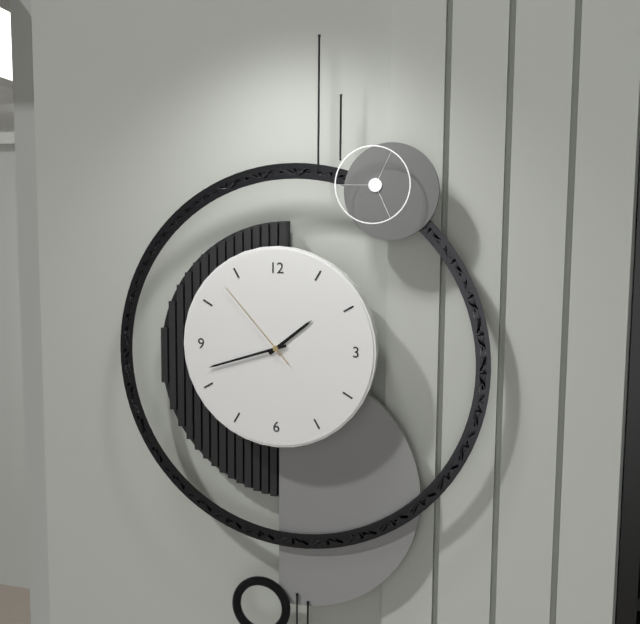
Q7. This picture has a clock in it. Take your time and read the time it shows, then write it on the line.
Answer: 1:42:53
